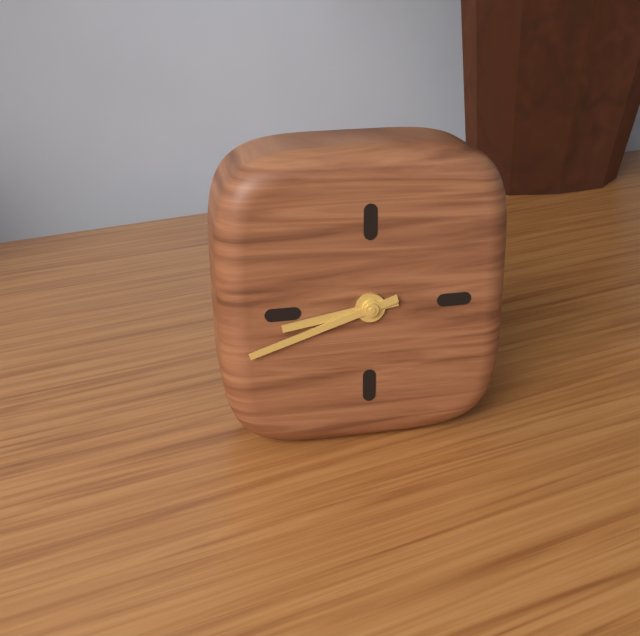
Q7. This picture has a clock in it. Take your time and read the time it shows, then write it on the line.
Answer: 8:42
